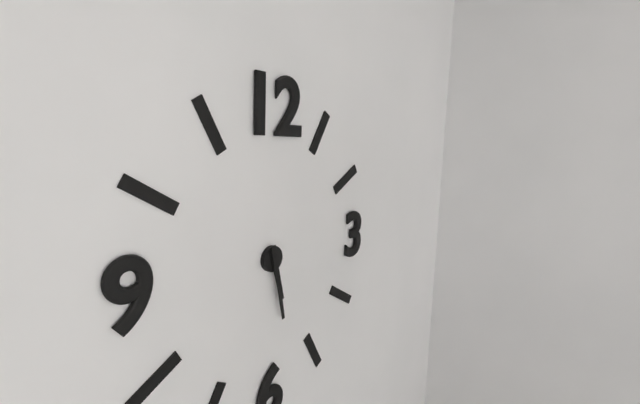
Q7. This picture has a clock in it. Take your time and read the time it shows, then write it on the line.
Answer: 5:28
